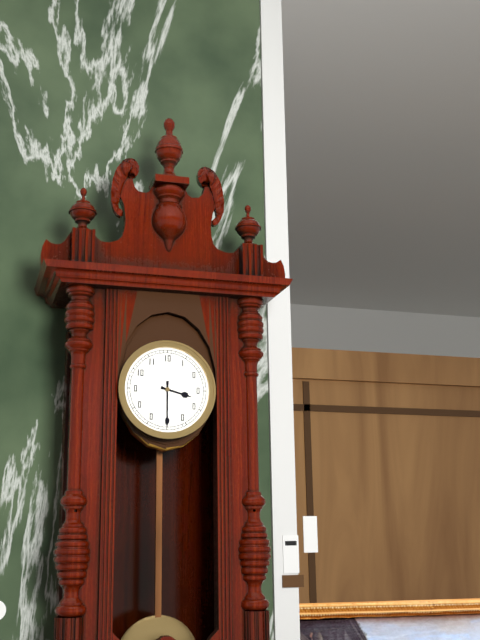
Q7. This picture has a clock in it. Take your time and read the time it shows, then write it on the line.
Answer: 3:30
